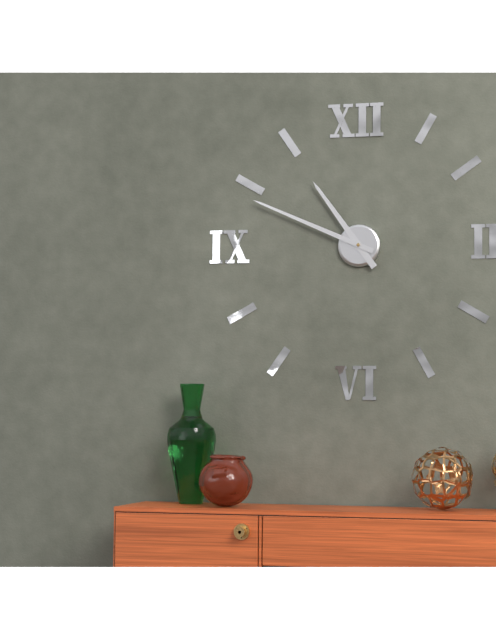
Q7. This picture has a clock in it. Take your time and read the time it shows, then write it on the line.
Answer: 10:49
